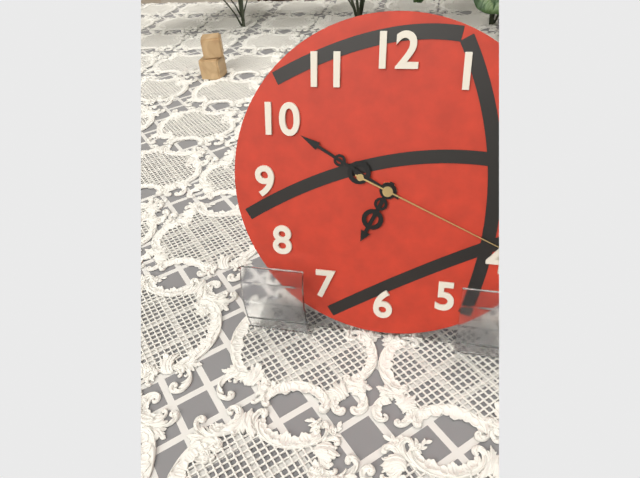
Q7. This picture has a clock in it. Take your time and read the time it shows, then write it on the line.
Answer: 6:50:19
